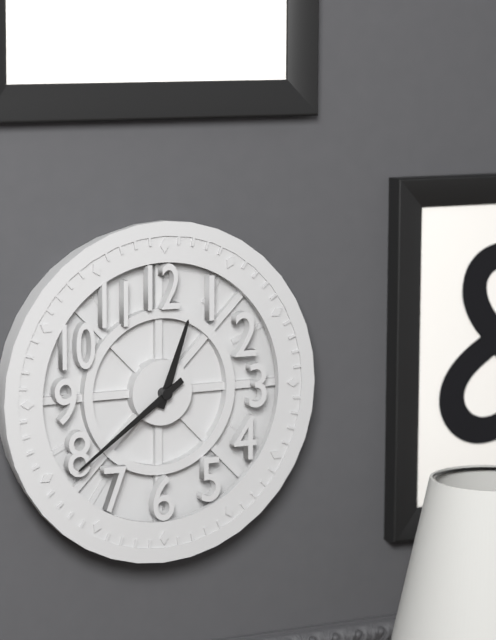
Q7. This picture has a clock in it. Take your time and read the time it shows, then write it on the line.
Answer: 12:39
